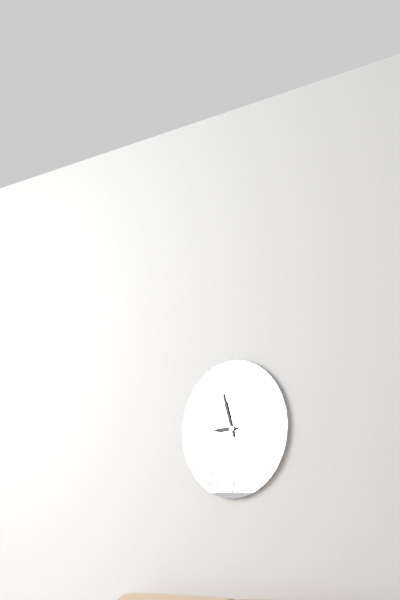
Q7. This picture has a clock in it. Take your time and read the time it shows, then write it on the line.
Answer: 8:57
